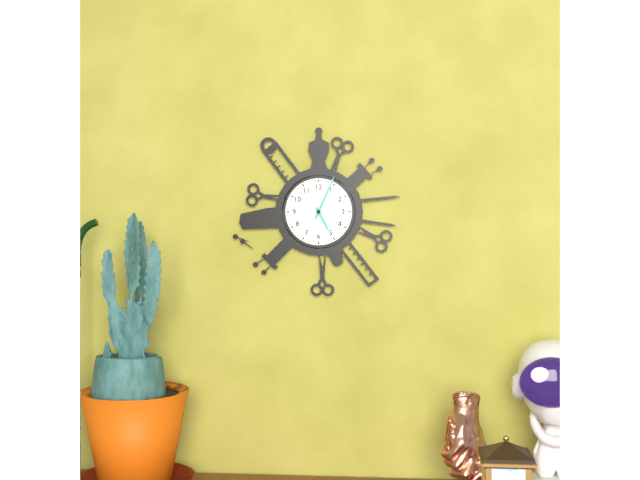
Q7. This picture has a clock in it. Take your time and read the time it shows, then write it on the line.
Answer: 5:04
